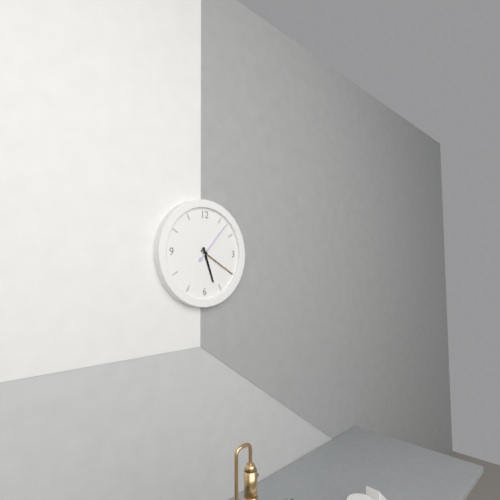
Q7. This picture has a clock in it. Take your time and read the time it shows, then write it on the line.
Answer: 5:20
